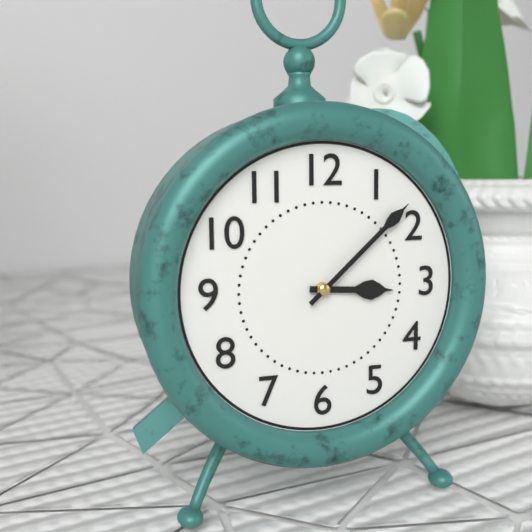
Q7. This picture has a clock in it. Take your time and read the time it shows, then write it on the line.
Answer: 3:08
